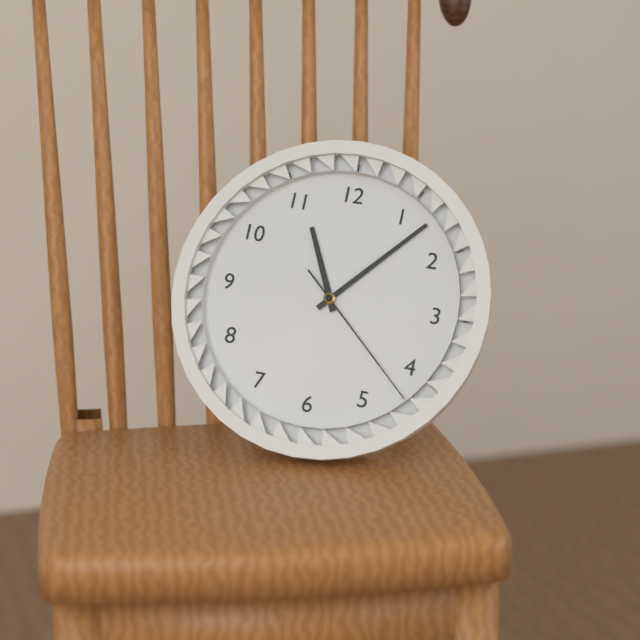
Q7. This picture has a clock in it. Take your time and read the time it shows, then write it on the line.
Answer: 11:07:22
